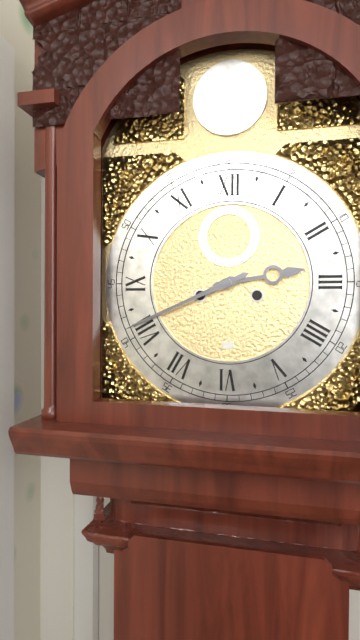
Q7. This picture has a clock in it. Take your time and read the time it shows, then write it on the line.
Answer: 2:41
